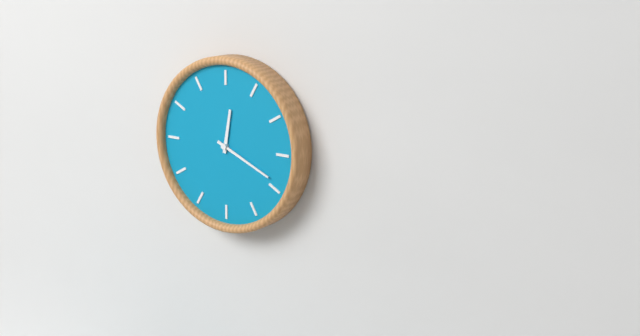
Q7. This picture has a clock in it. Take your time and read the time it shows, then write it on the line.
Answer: 12:19
